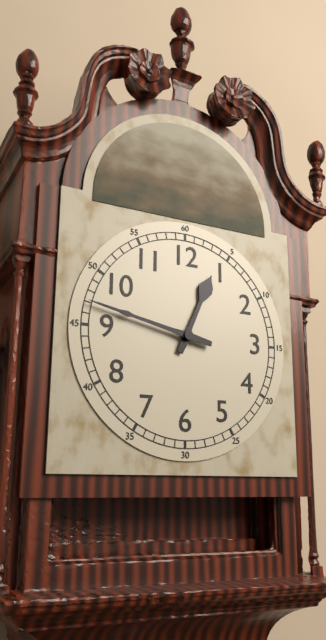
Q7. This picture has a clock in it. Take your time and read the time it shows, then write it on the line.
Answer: 12:47
